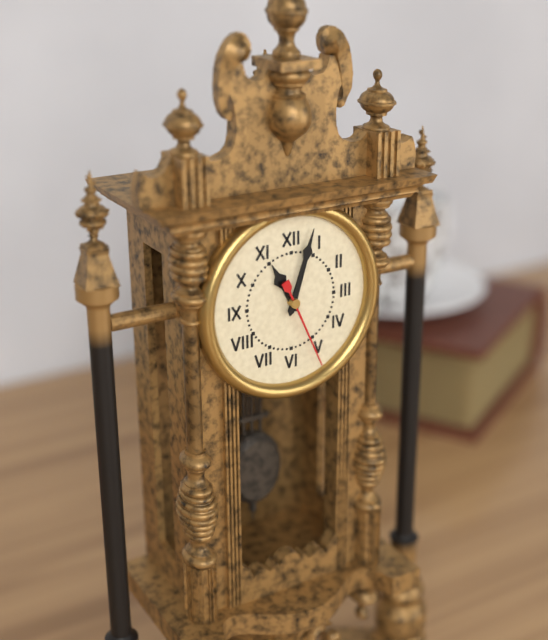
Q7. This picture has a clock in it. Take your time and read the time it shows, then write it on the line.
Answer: 11:03:26
